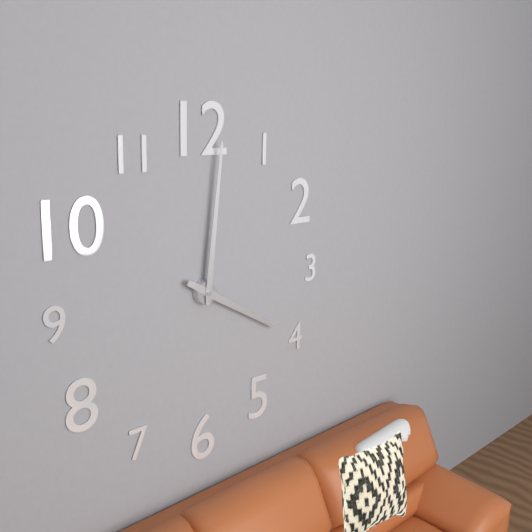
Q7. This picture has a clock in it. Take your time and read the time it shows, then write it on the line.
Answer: 4:01
